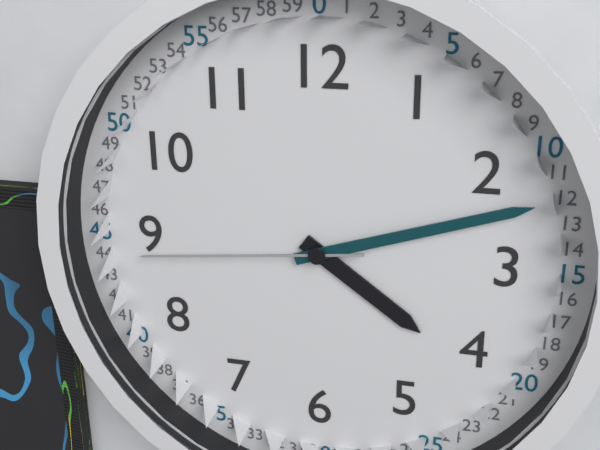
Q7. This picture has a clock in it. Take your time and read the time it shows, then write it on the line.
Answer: 4:12:44
